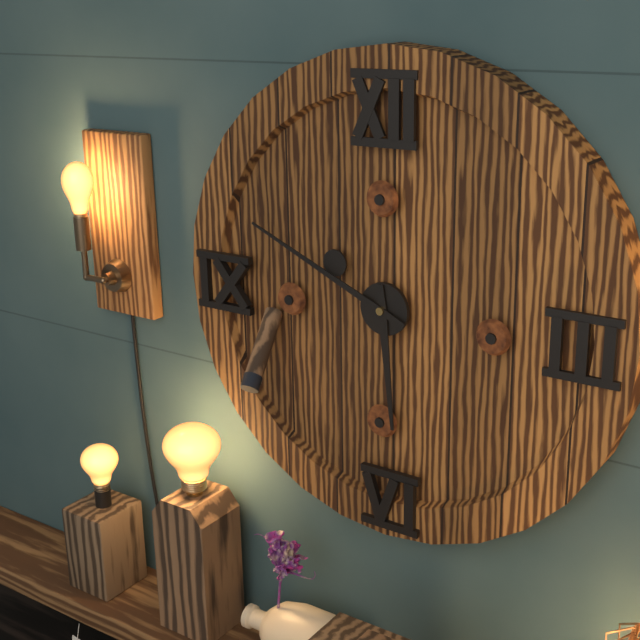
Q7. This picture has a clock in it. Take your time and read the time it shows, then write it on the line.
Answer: 5:49
